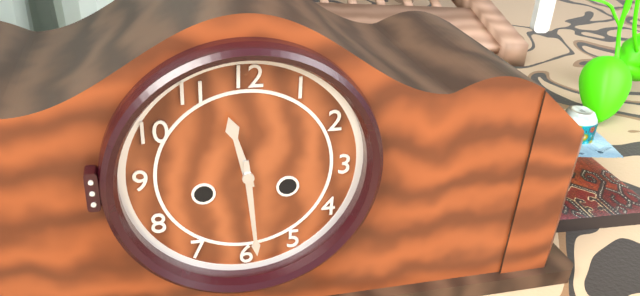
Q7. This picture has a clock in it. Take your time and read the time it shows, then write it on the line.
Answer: 11:29
